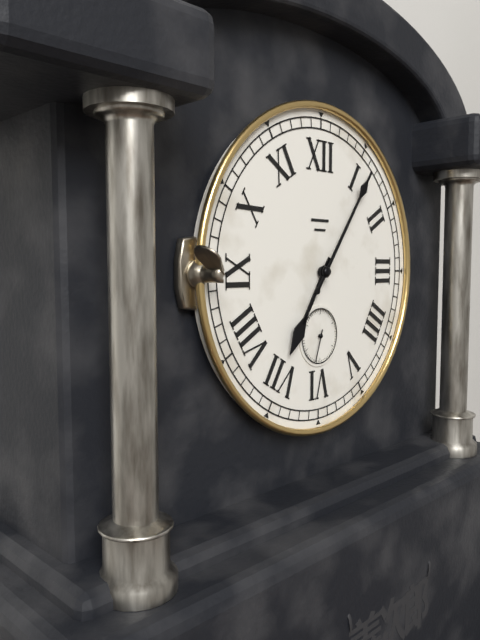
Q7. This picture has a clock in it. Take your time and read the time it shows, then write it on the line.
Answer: 7:06
